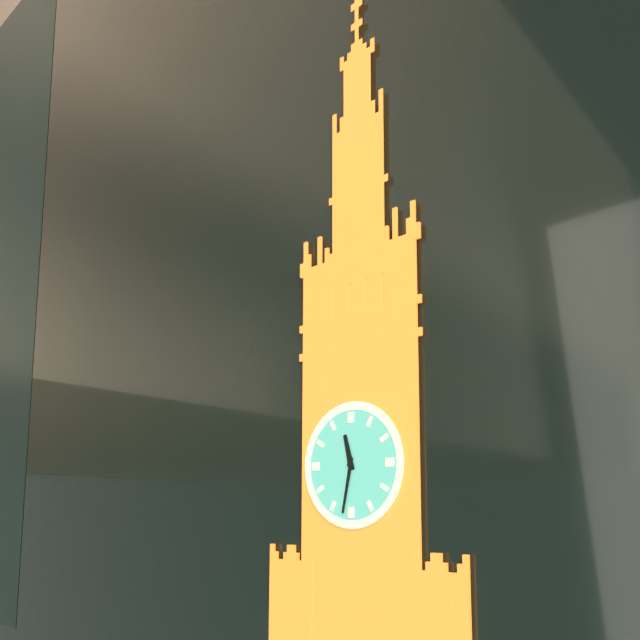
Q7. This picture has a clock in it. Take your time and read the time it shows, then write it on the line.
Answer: 11:32
